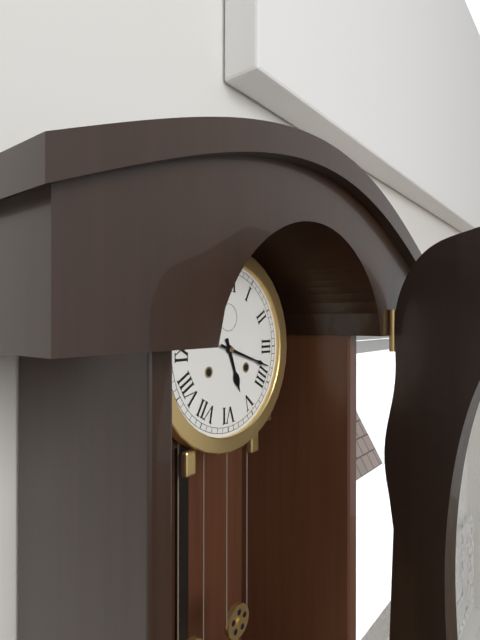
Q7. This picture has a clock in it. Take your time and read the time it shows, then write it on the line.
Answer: 5:18
